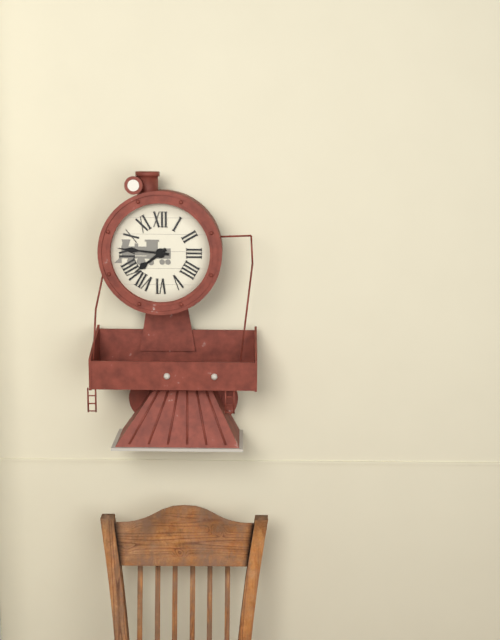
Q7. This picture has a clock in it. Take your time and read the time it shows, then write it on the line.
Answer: 7:46
